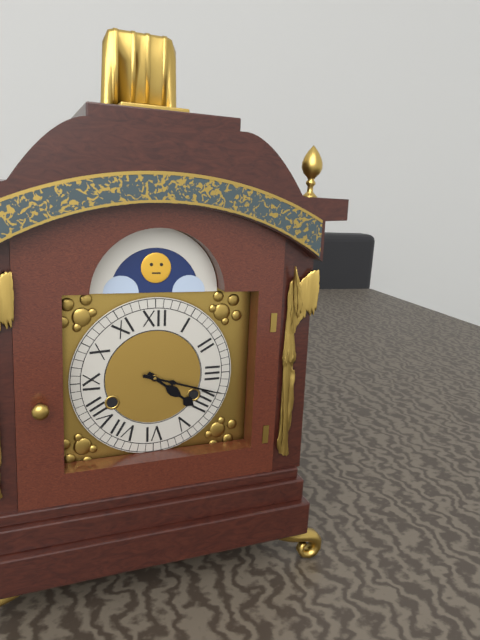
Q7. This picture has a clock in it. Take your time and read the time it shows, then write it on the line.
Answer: 4:18
